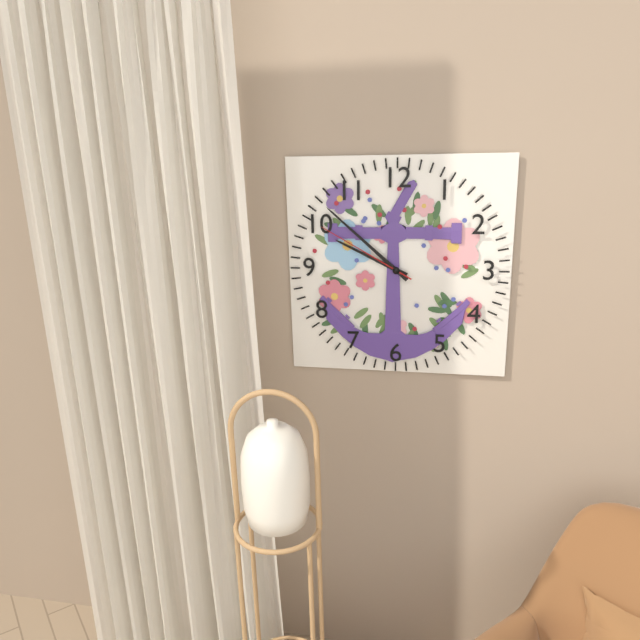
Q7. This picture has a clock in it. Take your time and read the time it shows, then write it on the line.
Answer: 9:52:50
